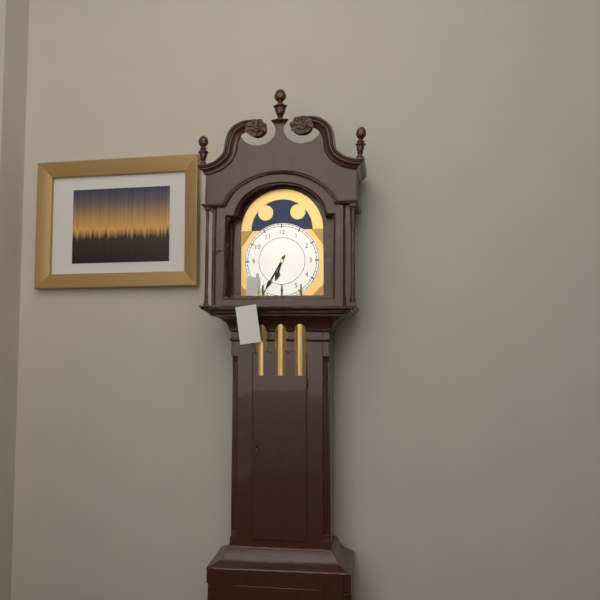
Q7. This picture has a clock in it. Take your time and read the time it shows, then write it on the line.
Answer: 6:35
